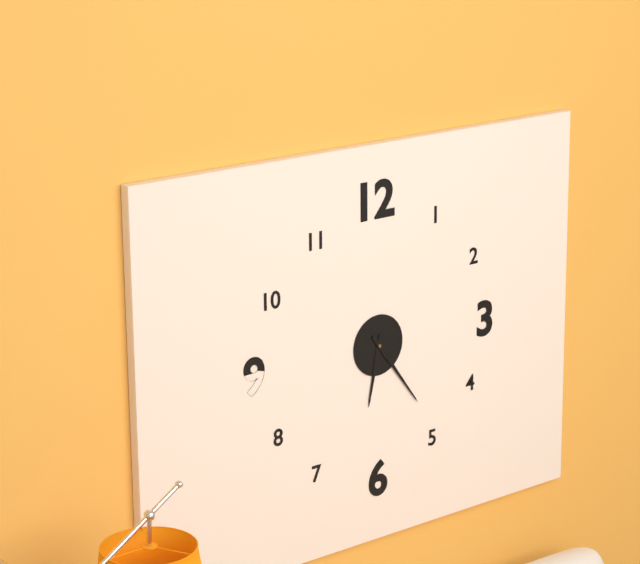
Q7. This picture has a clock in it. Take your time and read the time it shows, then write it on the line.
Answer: 6:24
